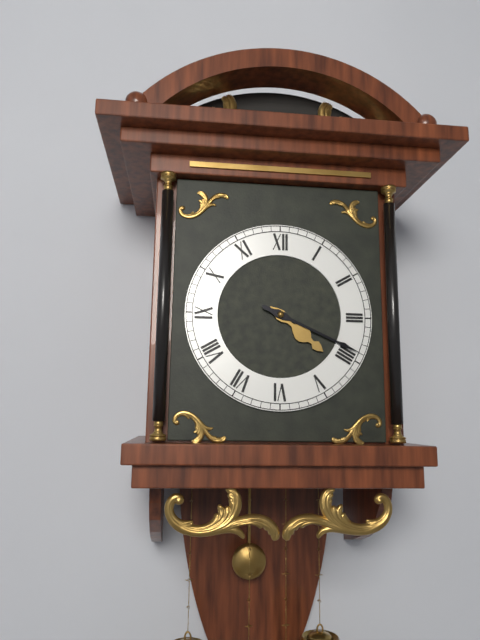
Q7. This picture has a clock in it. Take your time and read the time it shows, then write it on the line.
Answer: 4:19
